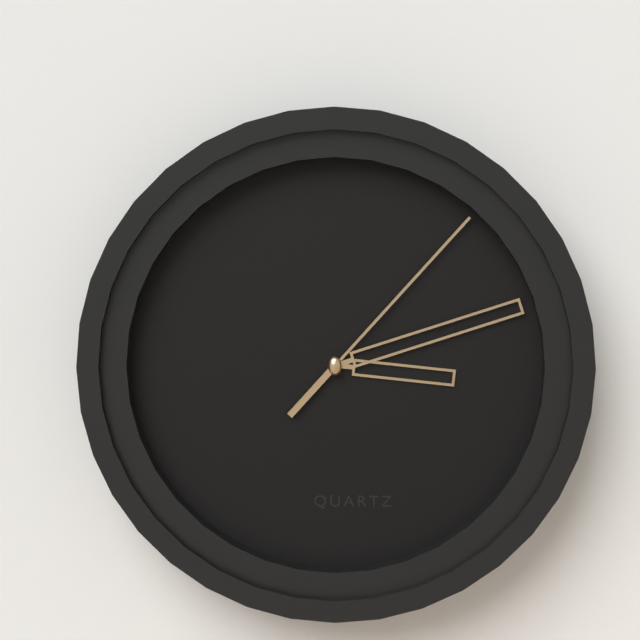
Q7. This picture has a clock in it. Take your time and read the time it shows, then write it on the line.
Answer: 3:12:07
